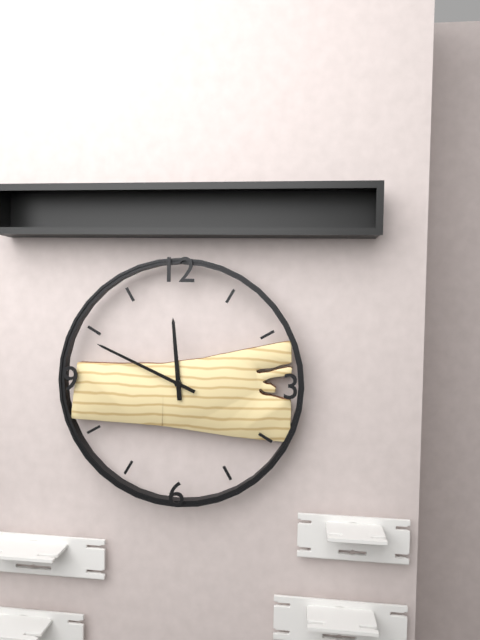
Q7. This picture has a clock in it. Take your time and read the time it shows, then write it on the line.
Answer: 11:49
